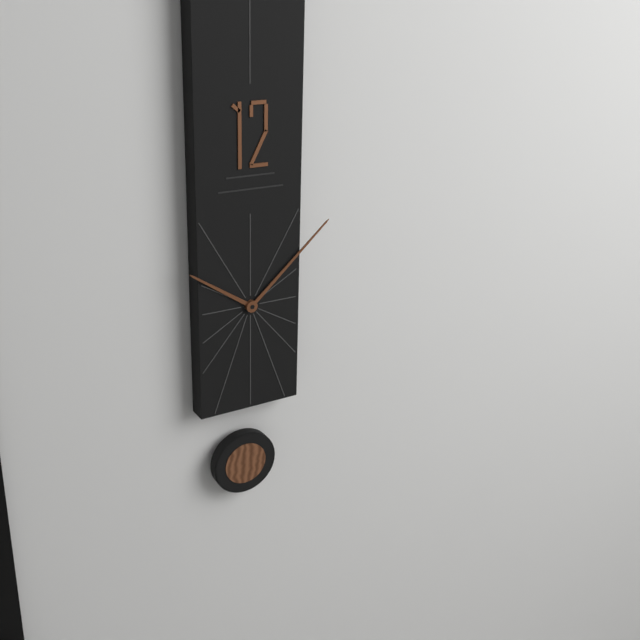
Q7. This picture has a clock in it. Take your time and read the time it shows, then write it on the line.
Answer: 10:08
